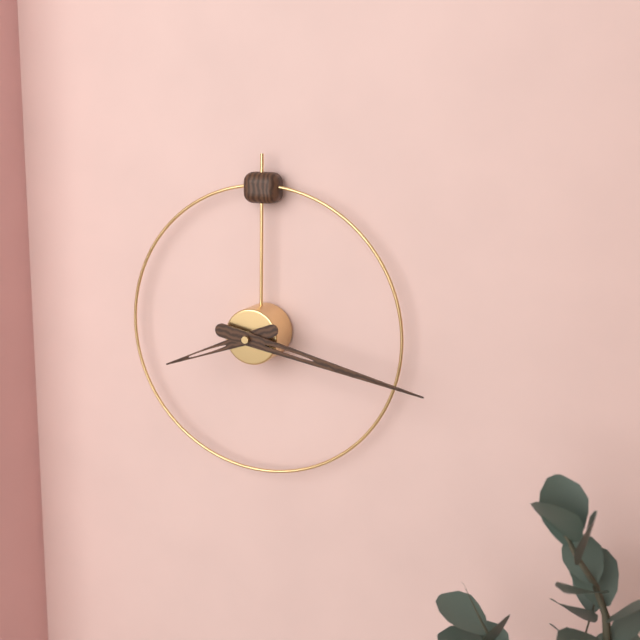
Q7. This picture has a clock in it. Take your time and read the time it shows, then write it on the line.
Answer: 8:17
